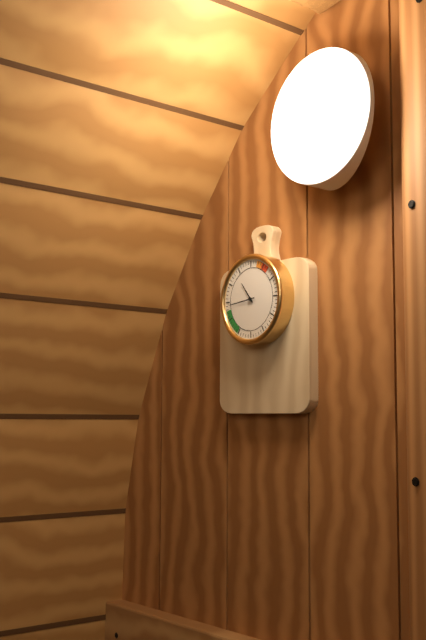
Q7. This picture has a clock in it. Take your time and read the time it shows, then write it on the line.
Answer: 10:44
